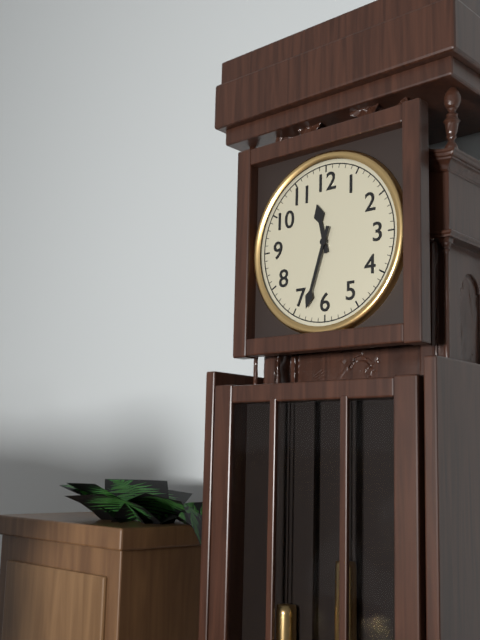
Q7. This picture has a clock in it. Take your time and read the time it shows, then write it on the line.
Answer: 11:33
